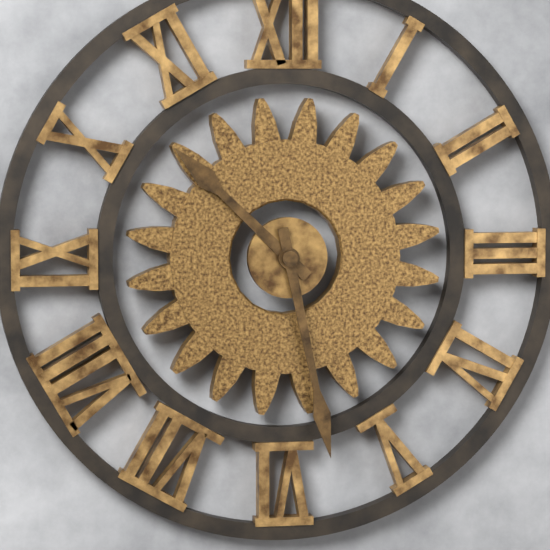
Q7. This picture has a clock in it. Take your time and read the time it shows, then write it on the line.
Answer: 10:28
